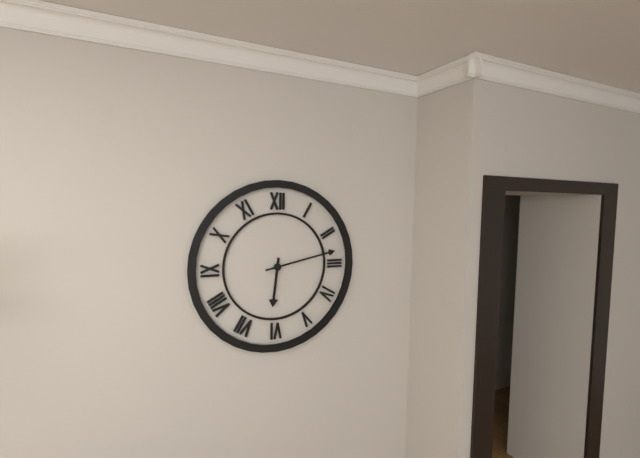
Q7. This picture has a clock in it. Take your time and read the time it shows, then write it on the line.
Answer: 6:13
